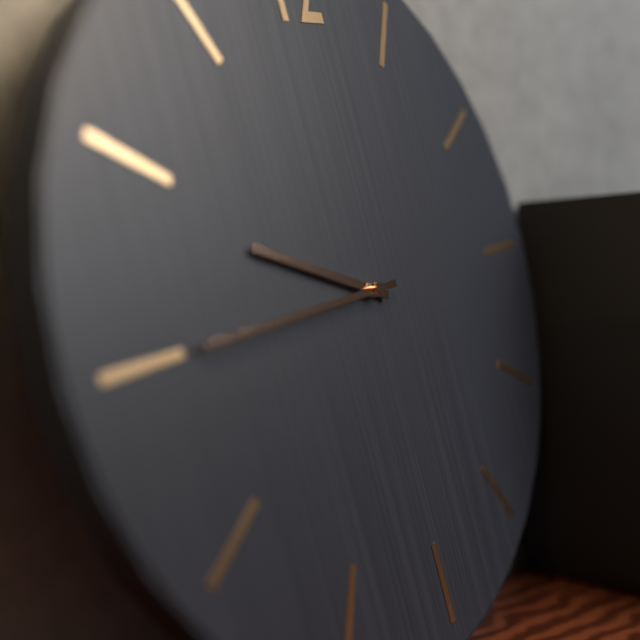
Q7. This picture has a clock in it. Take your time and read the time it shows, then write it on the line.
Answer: 9:45
